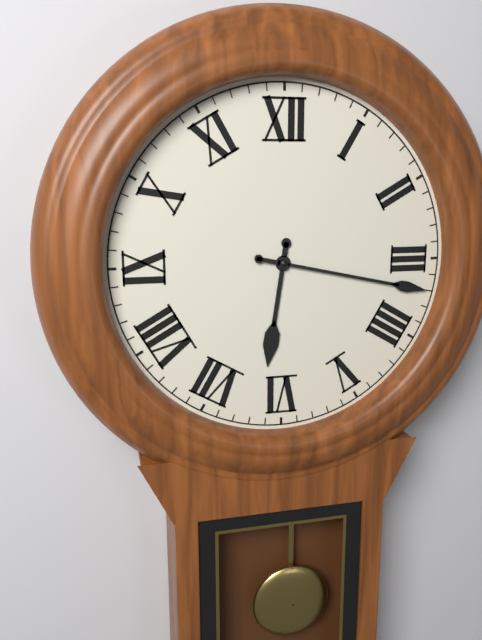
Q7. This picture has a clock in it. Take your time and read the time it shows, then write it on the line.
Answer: 6:17
